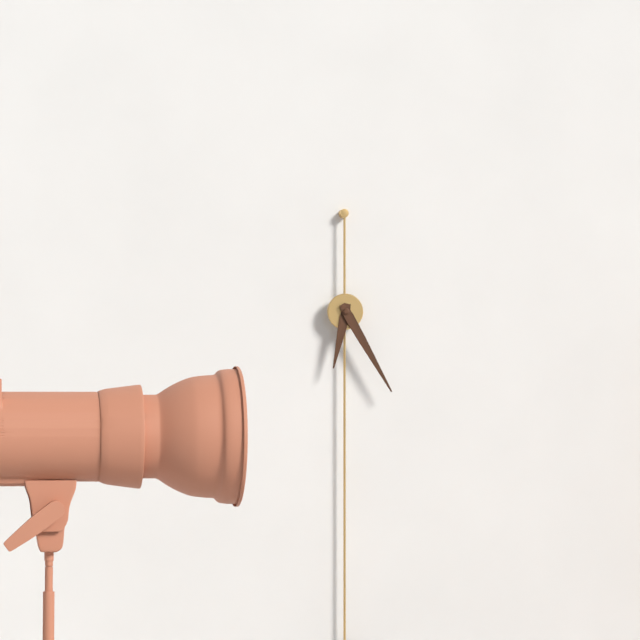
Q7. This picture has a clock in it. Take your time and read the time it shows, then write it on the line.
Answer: 6:25
